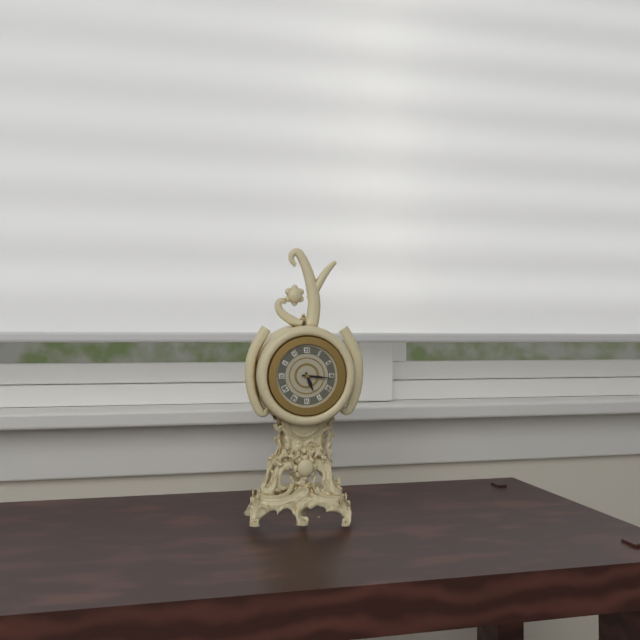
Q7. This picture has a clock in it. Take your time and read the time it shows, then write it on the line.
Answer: 5:16
